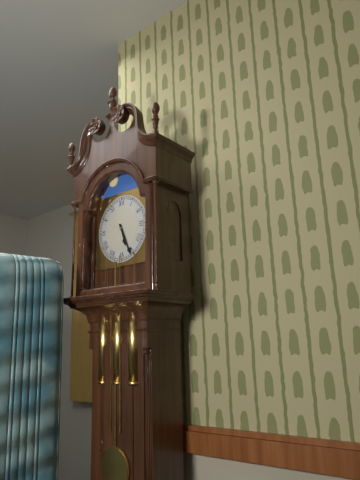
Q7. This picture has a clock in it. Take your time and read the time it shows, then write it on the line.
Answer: 5:26
